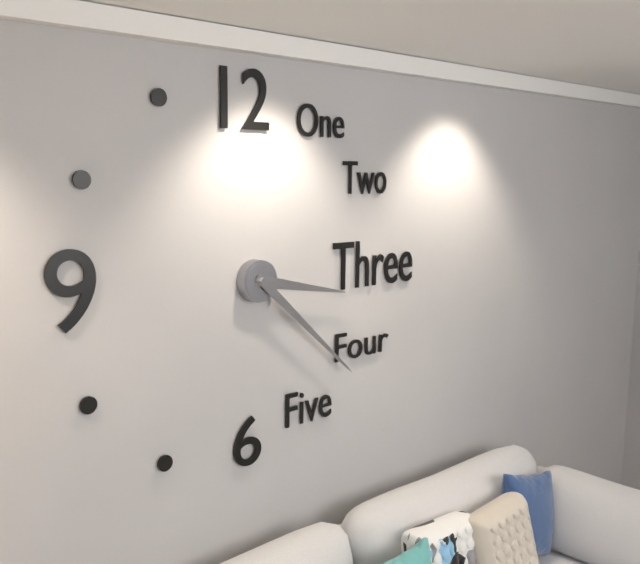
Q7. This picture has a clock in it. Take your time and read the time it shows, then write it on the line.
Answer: 3:22
